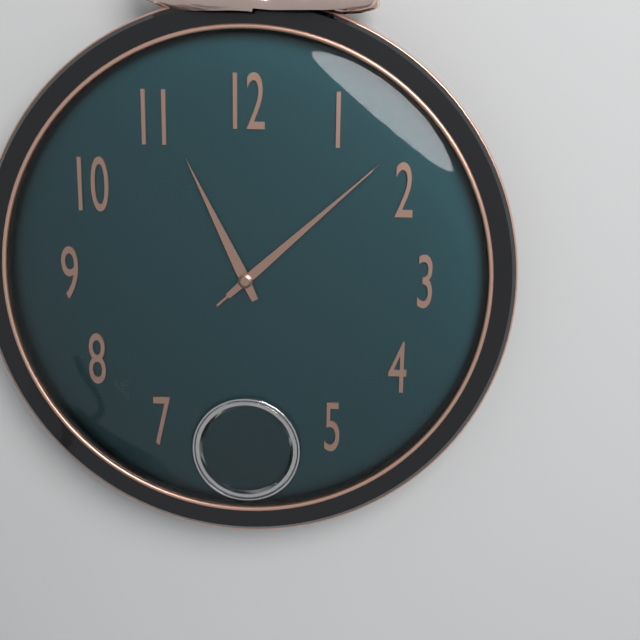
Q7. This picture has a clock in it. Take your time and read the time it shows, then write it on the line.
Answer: 11:08:08
